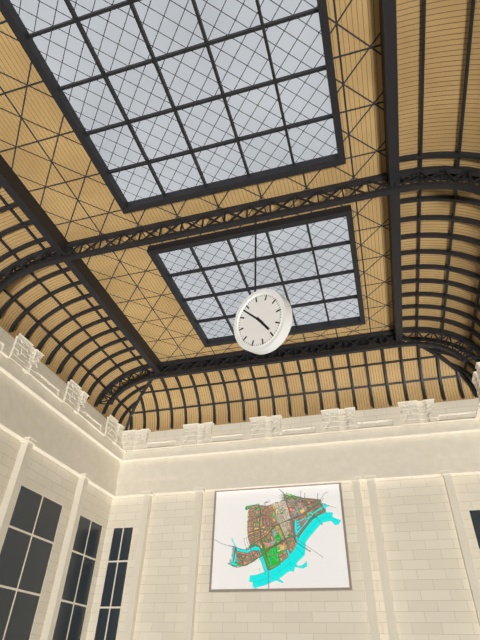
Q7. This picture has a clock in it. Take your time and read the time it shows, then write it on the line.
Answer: 4:53
